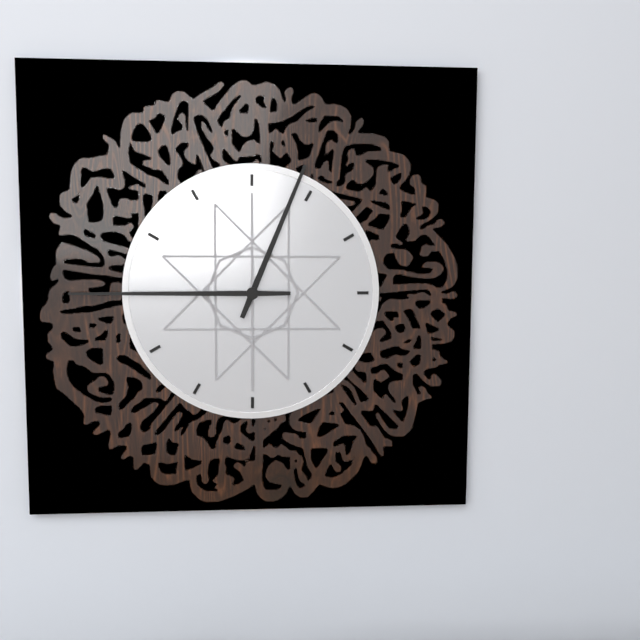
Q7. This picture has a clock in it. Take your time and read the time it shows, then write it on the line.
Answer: 12:45
